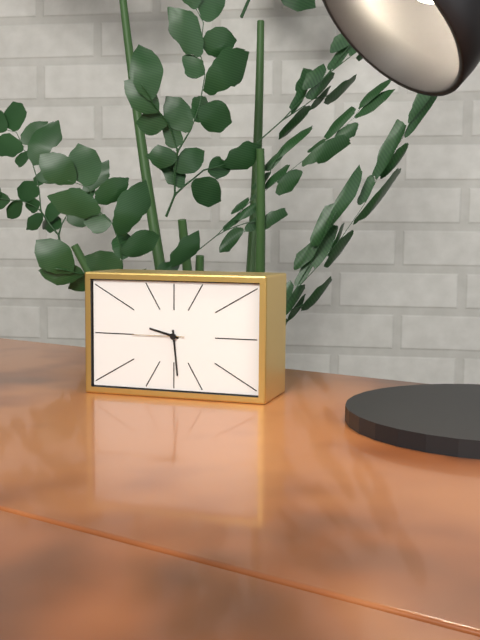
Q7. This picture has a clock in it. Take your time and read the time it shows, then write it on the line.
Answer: 9:29:45
